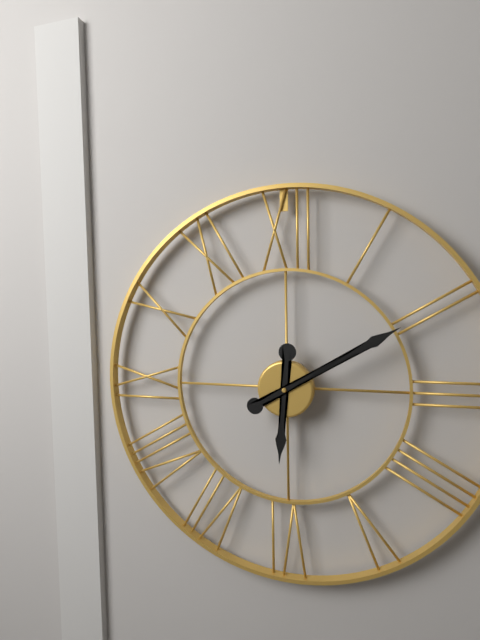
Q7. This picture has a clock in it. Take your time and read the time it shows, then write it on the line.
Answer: 6:10
